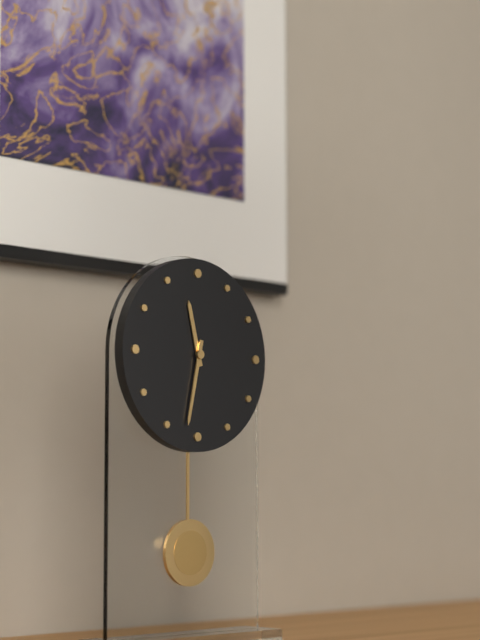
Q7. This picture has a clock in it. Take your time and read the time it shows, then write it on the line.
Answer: 11:32
